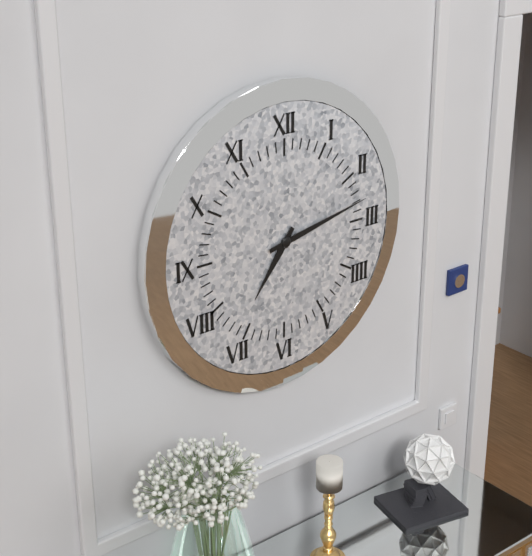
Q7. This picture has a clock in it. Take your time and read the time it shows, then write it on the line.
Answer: 7:13
